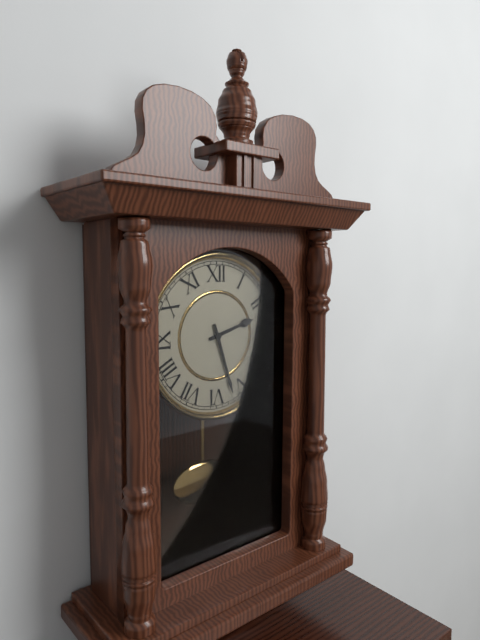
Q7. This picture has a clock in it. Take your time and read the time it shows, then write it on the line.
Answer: 2:27
